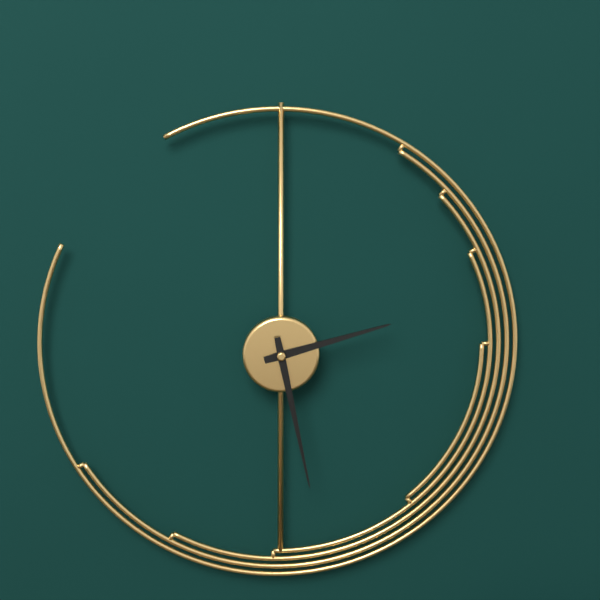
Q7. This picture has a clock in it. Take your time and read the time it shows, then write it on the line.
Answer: 2:28
